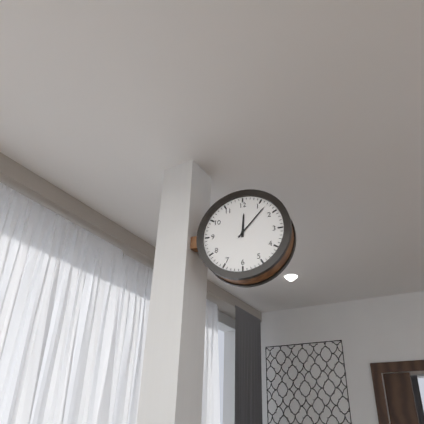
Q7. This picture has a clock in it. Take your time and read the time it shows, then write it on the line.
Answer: 12:07
